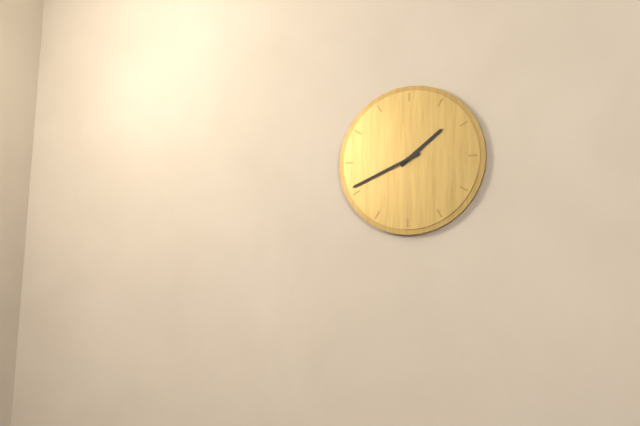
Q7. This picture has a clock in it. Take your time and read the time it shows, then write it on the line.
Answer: 1:41
